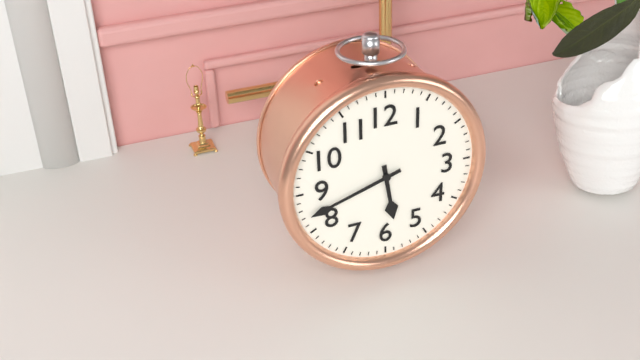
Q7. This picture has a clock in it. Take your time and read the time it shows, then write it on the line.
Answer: 5:42
